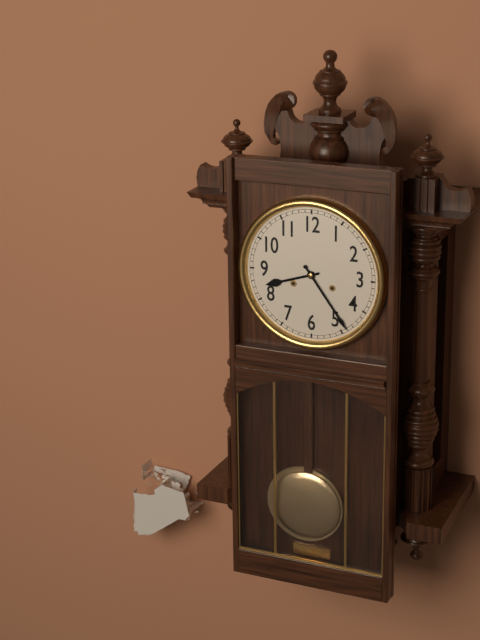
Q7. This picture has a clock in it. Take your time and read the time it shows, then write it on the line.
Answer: 8:24
